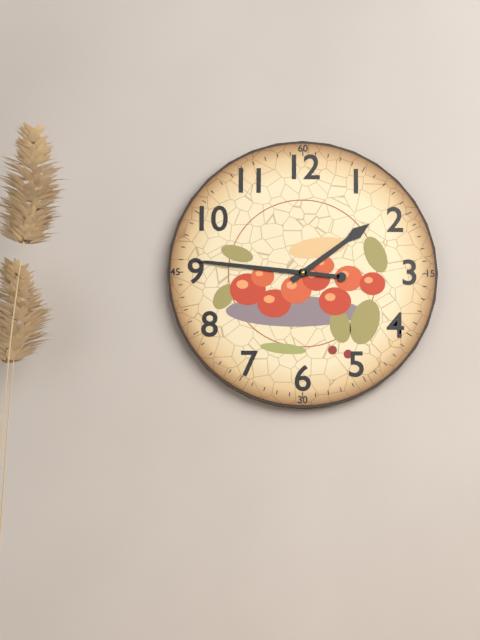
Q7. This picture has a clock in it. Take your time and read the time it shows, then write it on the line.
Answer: 1:46
